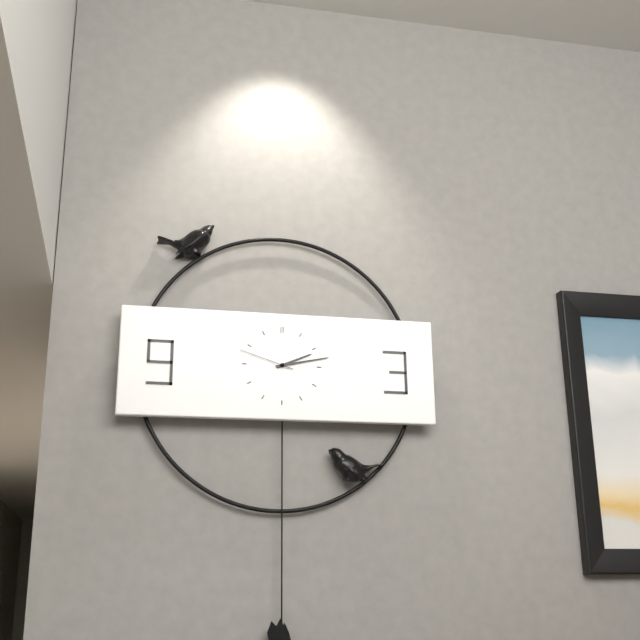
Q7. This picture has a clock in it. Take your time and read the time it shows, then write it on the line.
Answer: 2:13:48
